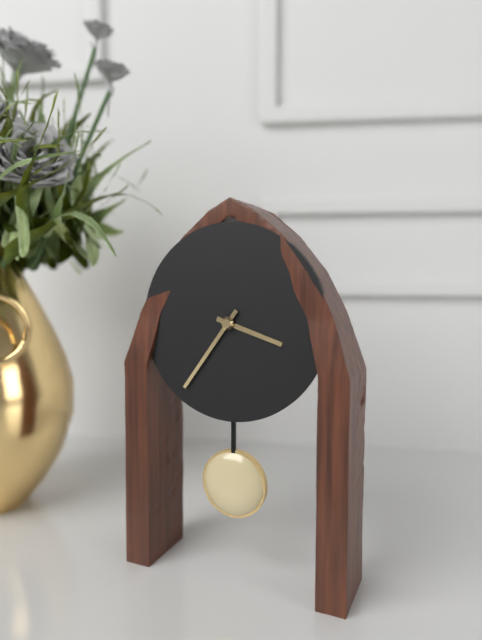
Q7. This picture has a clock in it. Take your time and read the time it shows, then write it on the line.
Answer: 3:36
